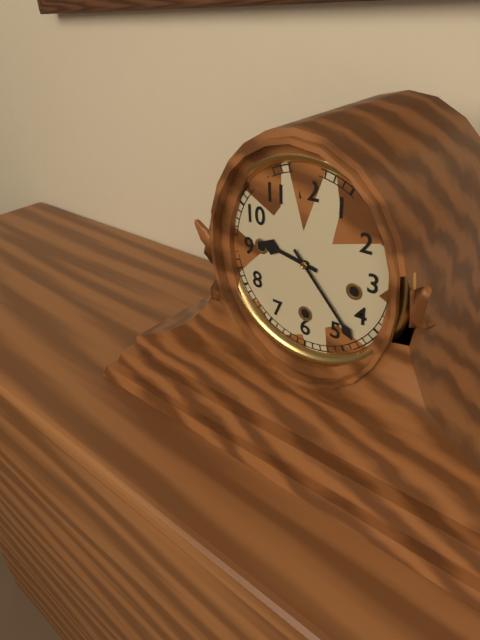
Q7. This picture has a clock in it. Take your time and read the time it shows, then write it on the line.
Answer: 9:23
